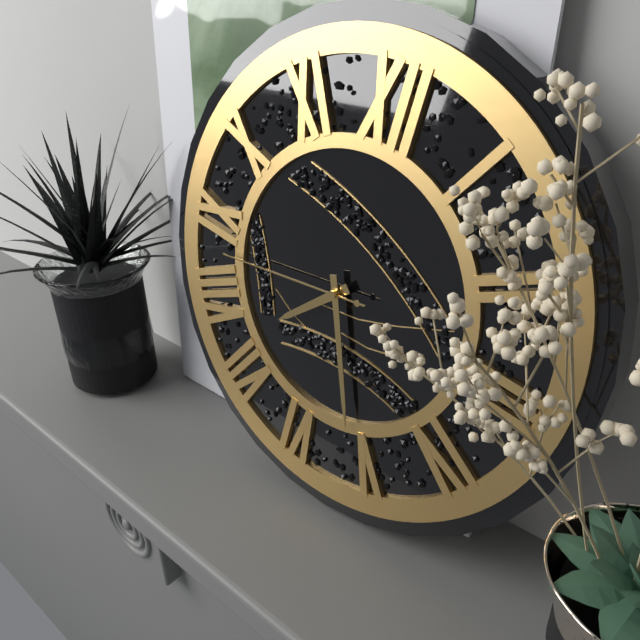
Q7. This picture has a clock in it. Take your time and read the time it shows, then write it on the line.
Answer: 7:26:43
